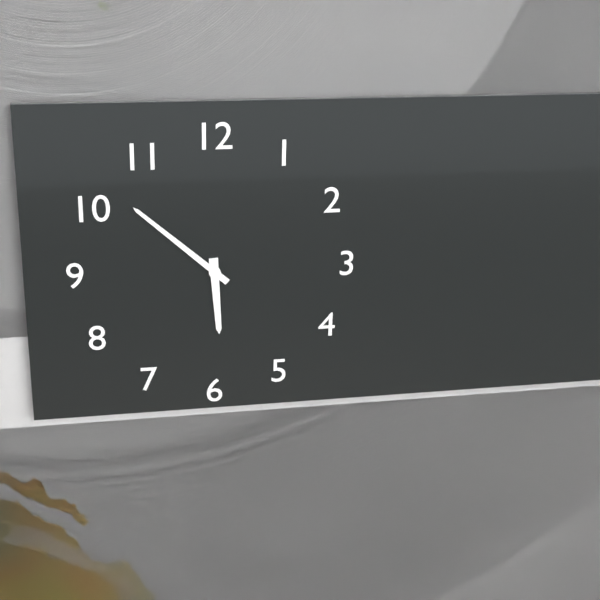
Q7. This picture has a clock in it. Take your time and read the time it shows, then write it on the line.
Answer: 5:52
